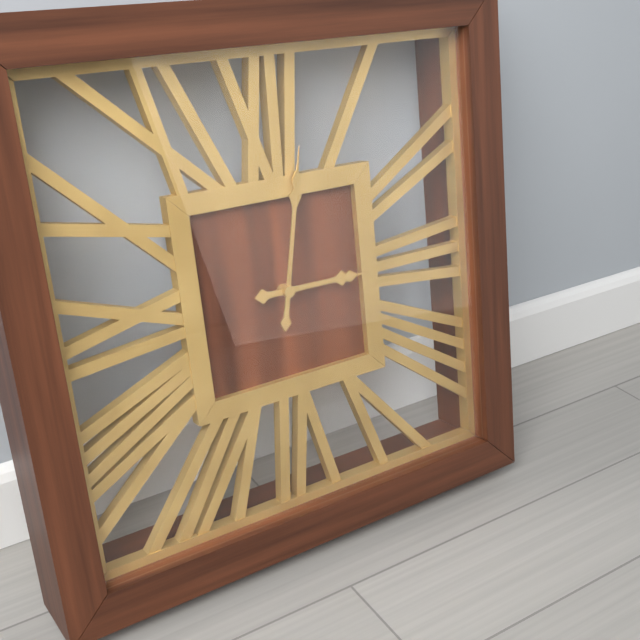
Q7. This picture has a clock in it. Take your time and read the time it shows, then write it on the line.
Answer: 3:02
